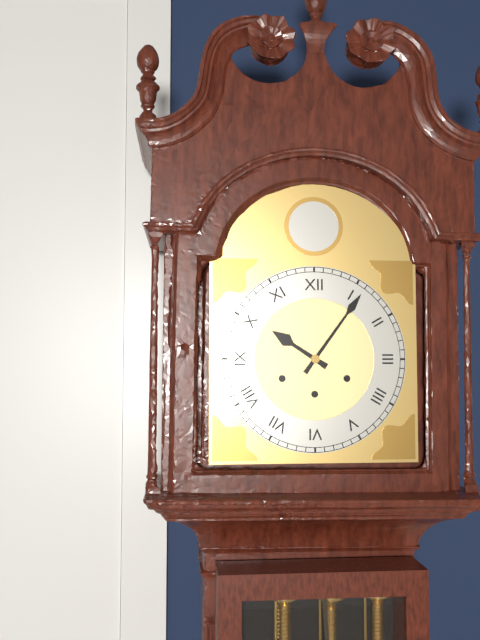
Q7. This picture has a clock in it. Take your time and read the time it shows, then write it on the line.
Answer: 10:06
